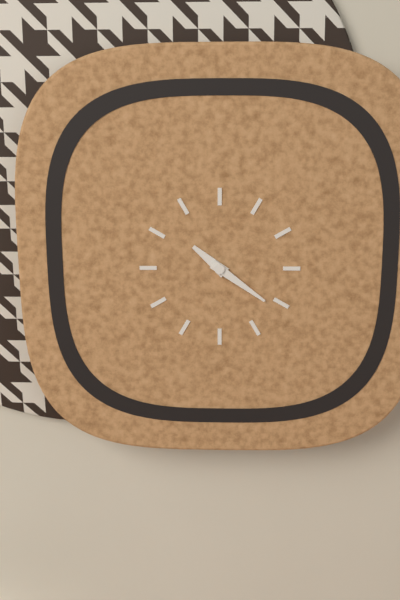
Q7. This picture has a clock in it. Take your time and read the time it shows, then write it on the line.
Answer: 10:21
